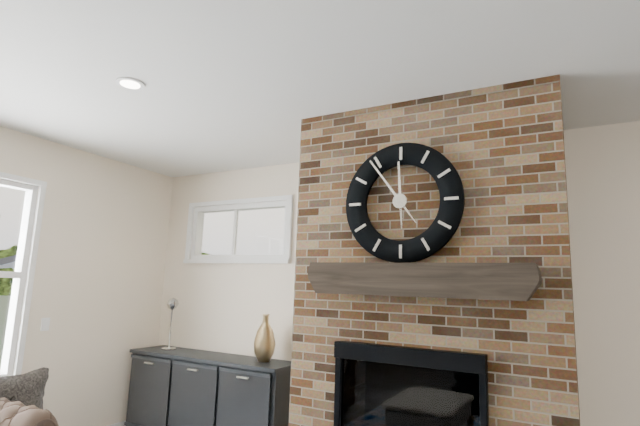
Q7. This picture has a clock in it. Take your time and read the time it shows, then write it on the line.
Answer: 11:54
